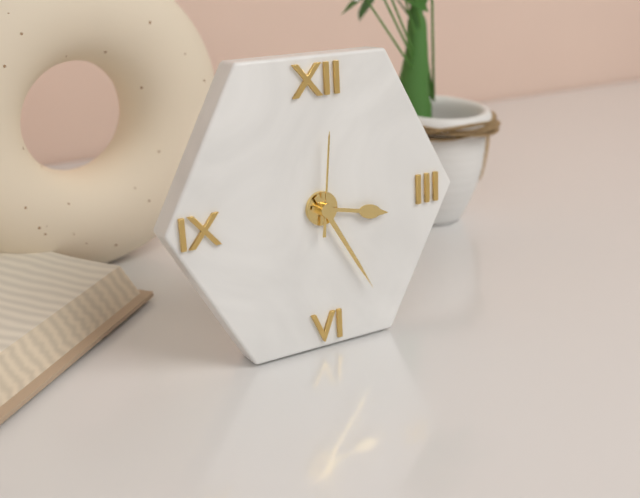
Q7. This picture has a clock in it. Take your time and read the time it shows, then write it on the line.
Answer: 3:25:01
